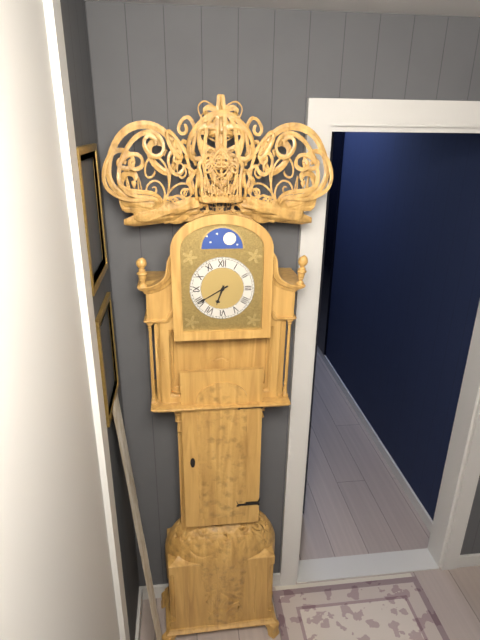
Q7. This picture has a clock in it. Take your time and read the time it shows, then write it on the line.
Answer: 6:40
